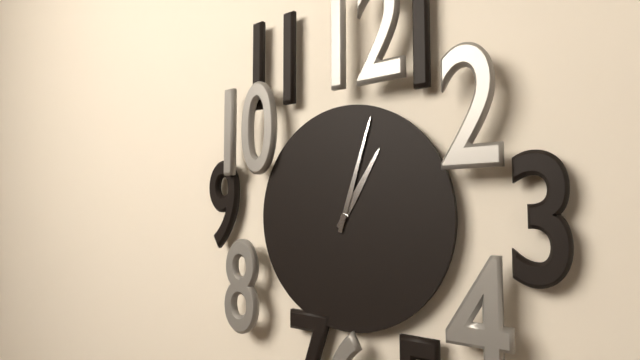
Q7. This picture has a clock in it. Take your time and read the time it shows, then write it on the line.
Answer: 1:03
